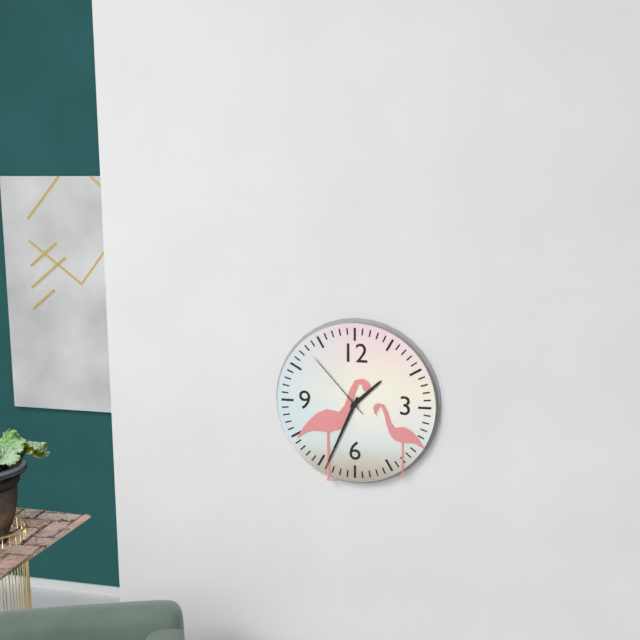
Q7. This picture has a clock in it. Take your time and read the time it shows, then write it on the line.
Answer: 1:34:53
